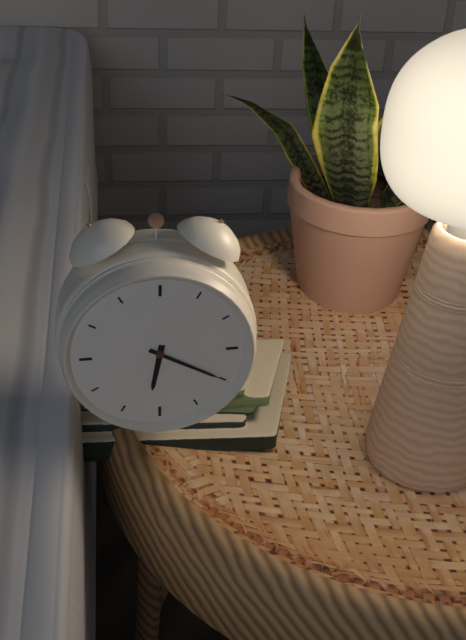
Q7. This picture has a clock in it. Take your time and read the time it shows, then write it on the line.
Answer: 6:20
